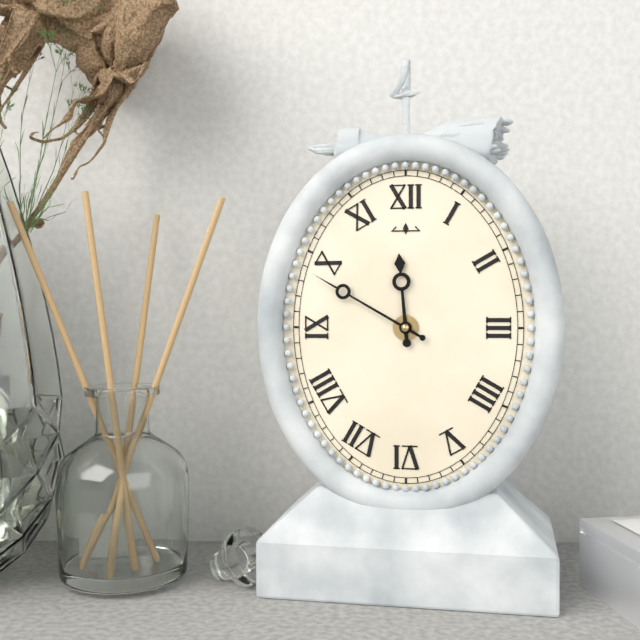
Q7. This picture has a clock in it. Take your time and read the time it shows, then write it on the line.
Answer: 11:50
